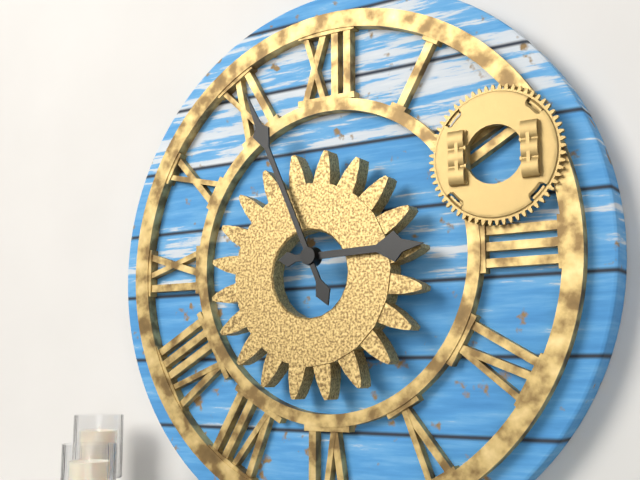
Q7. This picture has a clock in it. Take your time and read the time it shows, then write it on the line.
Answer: 2:56
